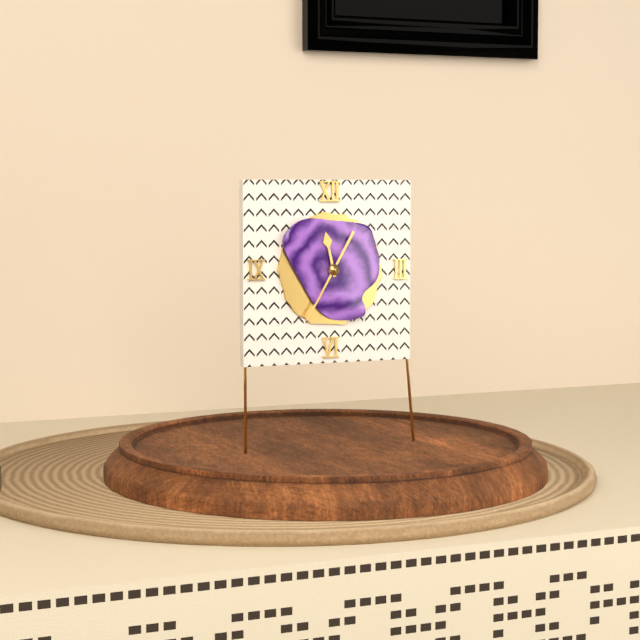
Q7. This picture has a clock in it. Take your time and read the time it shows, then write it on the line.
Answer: 11:35
